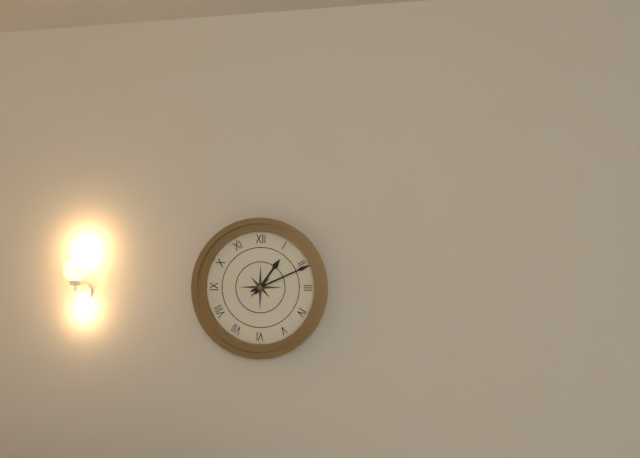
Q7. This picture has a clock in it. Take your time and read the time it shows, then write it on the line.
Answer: 1:11
